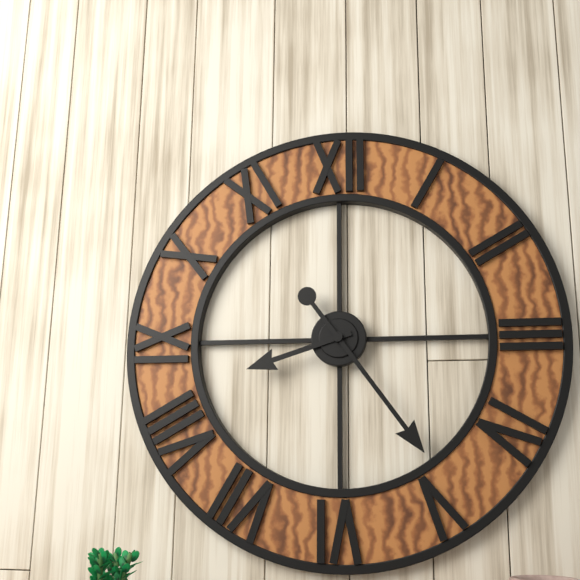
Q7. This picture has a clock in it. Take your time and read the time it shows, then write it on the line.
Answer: 8:24
